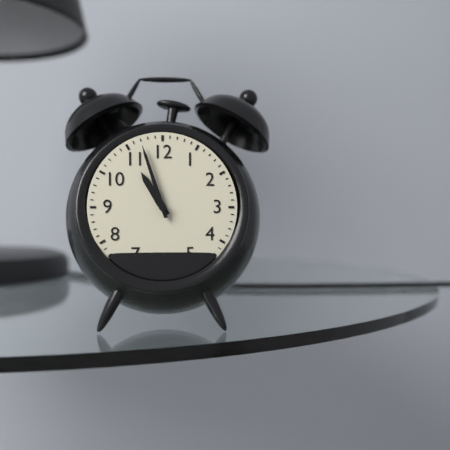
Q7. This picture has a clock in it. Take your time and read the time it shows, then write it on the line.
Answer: 10:57
